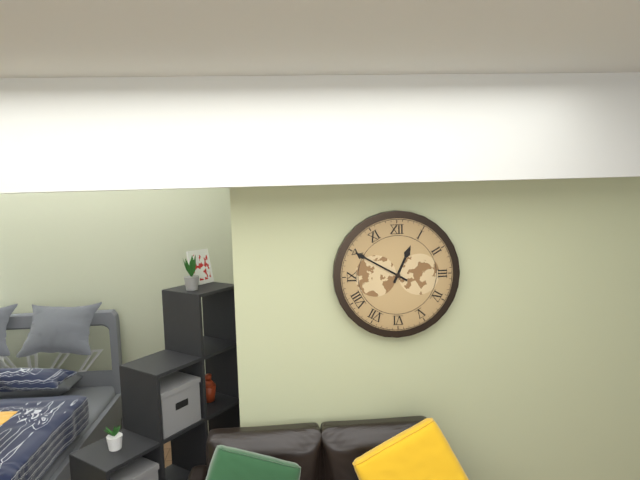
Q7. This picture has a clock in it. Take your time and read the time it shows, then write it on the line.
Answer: 12:50
